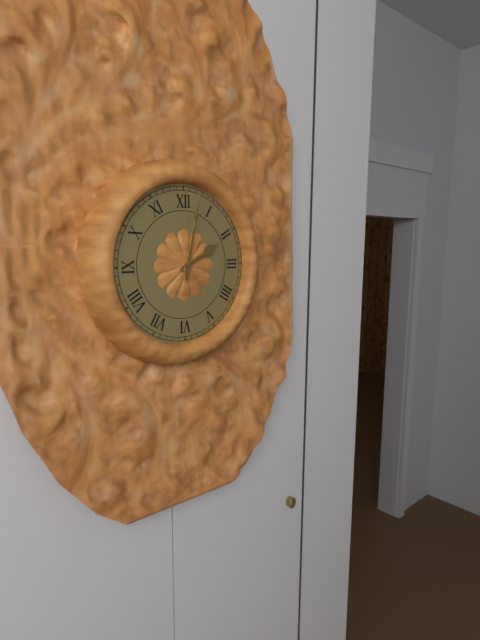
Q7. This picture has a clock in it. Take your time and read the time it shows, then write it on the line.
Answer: 2:02
